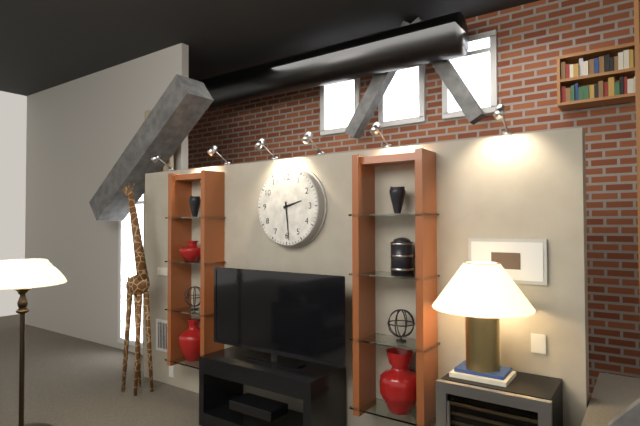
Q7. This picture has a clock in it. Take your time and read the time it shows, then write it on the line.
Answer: 2:29
